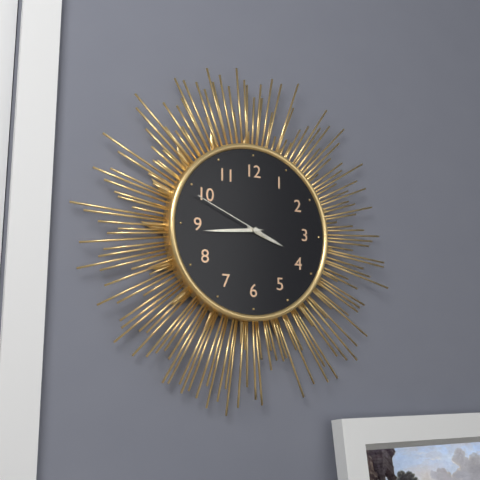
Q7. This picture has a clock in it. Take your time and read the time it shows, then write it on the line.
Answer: 3:44:49
